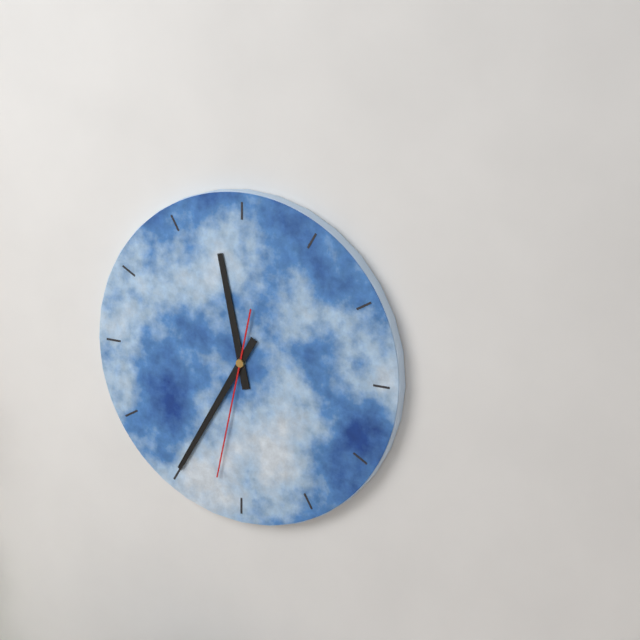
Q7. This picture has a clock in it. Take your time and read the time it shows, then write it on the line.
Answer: 11:35:32
